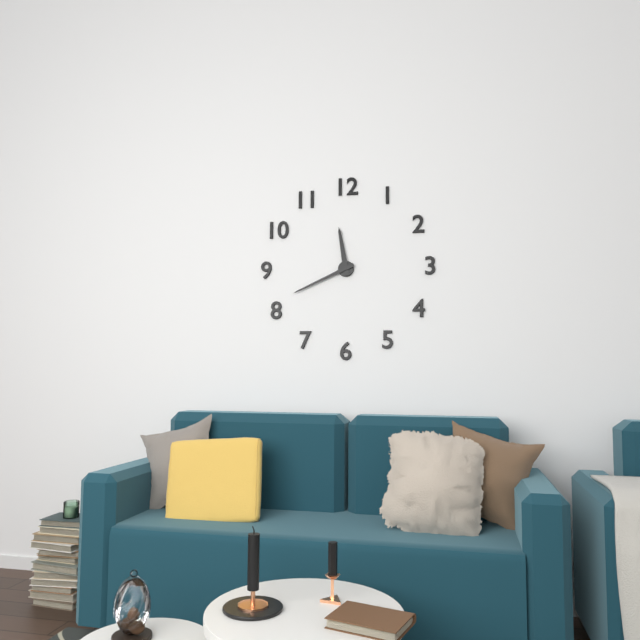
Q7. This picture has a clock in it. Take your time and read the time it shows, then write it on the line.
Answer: 11:41
